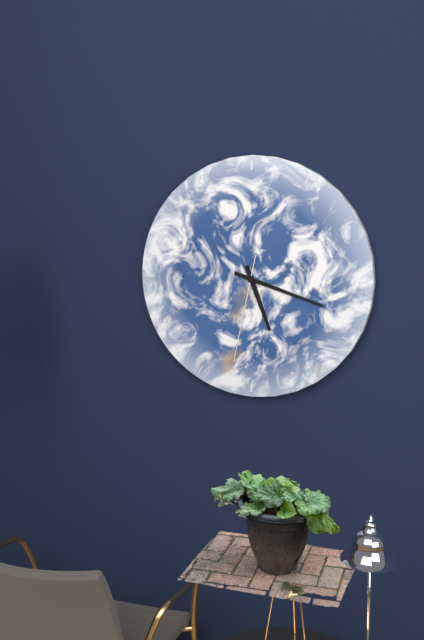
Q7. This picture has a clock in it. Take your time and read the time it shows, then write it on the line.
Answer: 5:18:32
